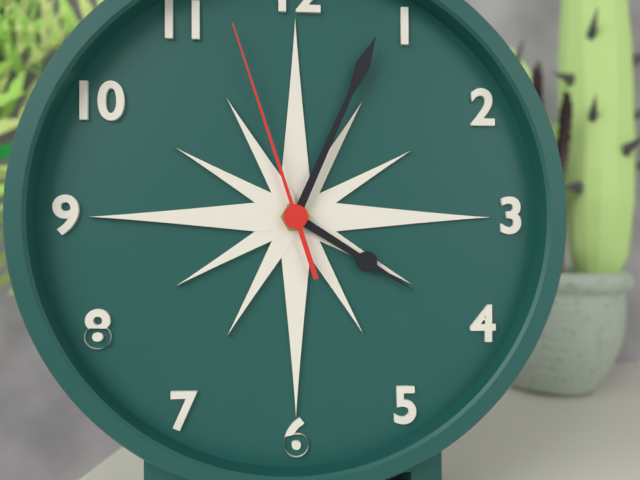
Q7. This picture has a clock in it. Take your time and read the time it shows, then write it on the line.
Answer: 4:04:57
